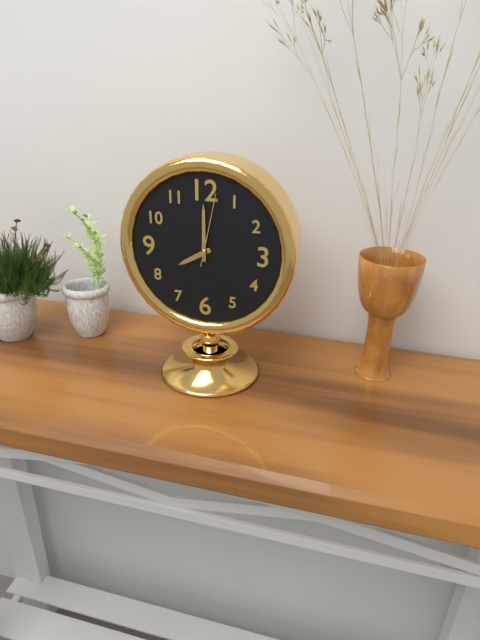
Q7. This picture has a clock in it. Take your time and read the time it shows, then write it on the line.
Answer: 8:00:02
